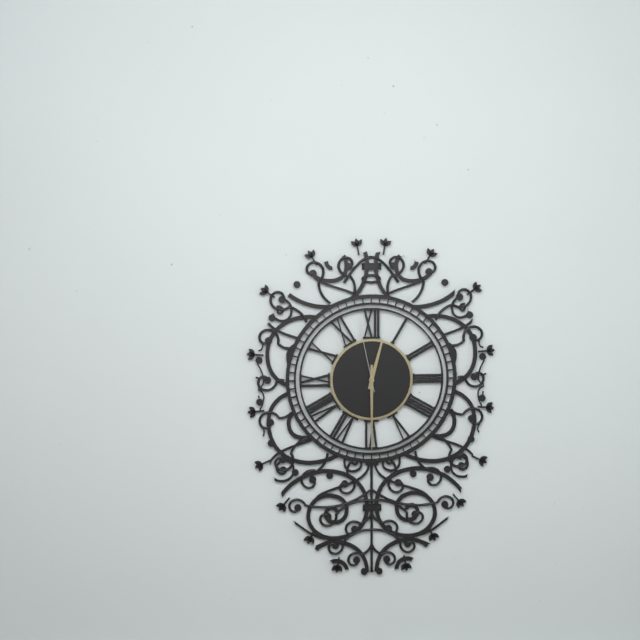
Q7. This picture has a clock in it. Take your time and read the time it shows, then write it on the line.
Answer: 12:30:58
